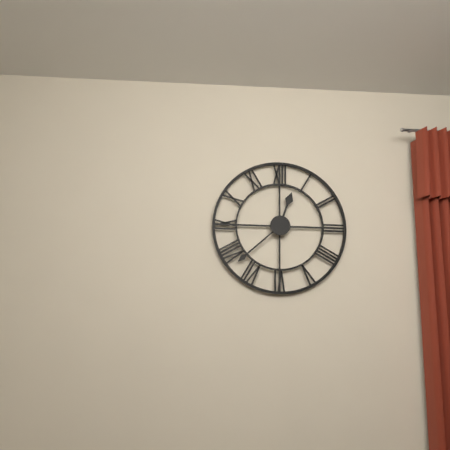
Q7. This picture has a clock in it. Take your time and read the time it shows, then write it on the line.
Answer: 12:38
